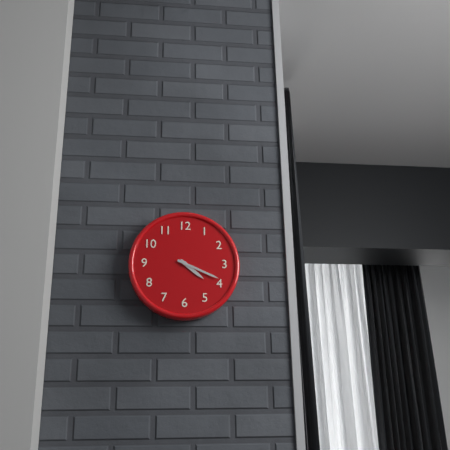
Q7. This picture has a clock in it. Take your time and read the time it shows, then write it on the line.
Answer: 4:19
